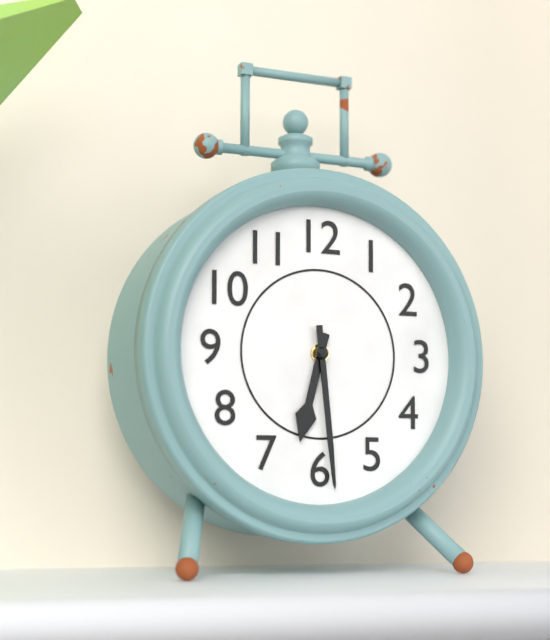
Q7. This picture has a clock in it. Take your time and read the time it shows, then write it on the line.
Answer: 6:29
